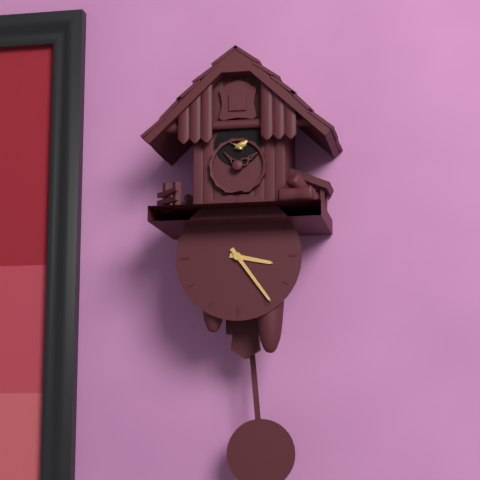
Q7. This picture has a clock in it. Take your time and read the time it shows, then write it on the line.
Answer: 3:24
